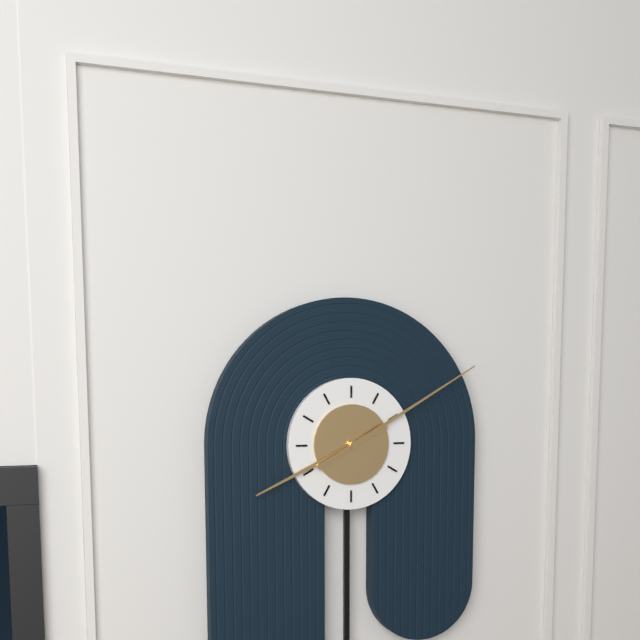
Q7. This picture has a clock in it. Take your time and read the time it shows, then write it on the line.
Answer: 8:10
